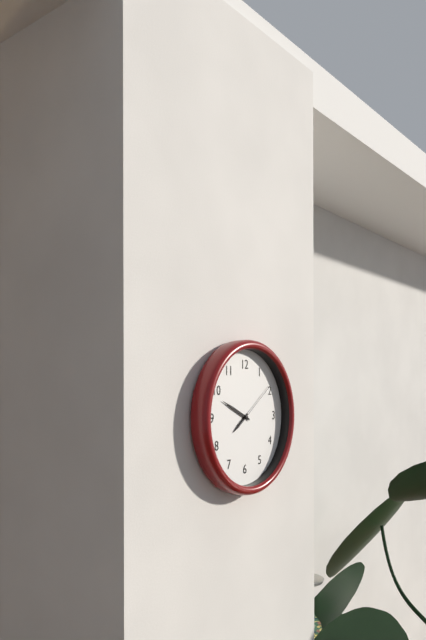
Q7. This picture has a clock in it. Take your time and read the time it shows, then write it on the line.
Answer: 7:49:09
